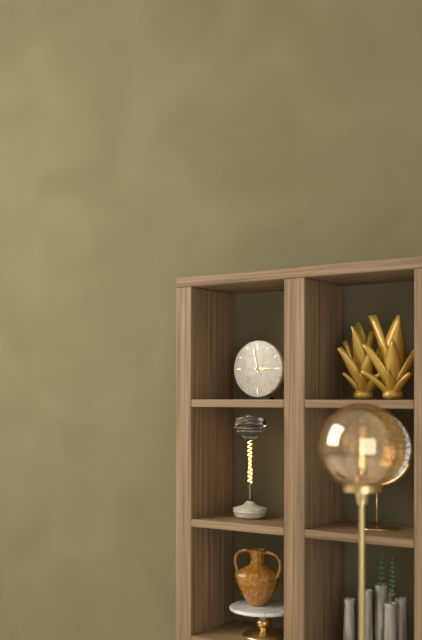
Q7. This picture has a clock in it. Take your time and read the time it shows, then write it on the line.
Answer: 2:58
